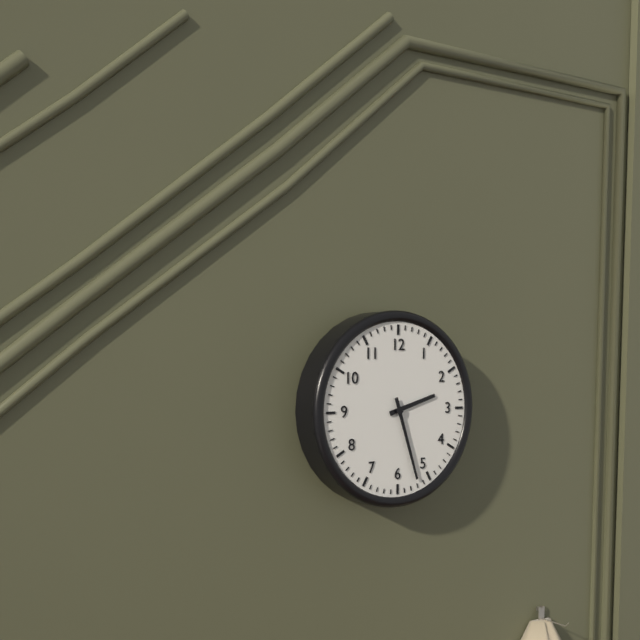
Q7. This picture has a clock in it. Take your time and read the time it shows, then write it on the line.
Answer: 2:27
